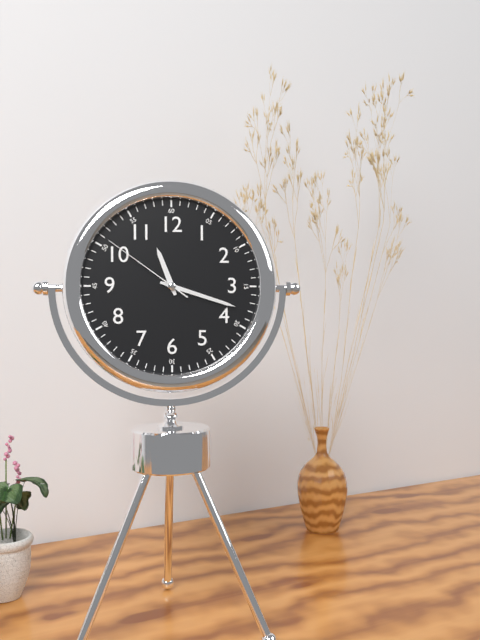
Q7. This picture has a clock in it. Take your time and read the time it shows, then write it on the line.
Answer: 11:18:51
